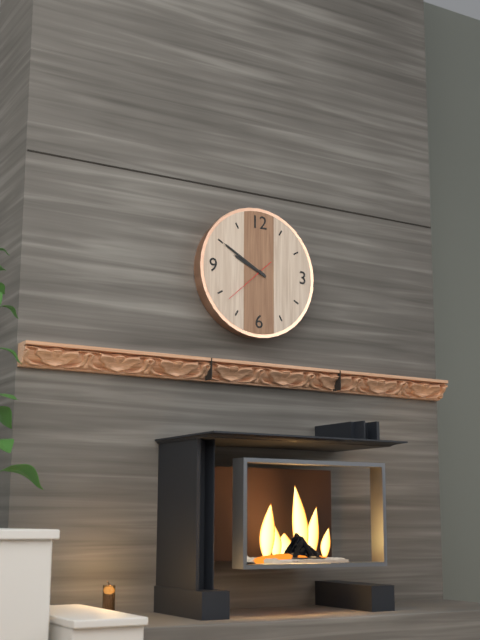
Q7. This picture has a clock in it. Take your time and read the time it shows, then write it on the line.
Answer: 9:50:38
